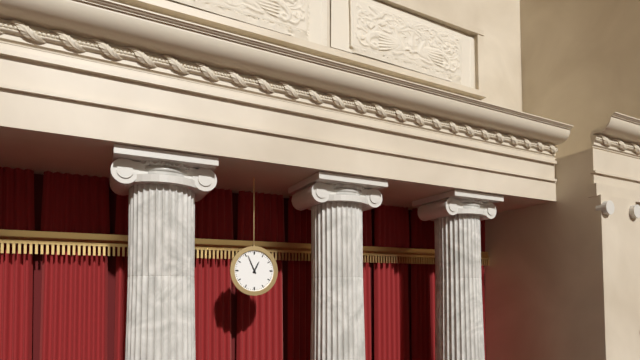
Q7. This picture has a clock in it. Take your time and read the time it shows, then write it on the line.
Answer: 12:56
